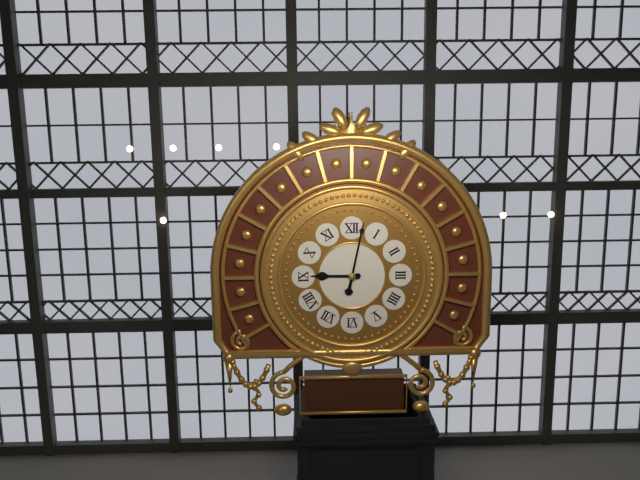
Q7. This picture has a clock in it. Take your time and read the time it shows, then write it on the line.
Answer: 9:02
